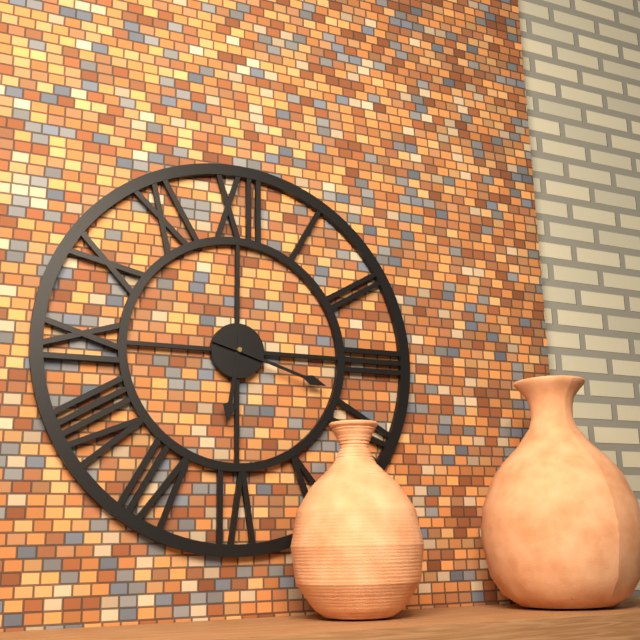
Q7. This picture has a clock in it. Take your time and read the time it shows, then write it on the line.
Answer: 6:18
